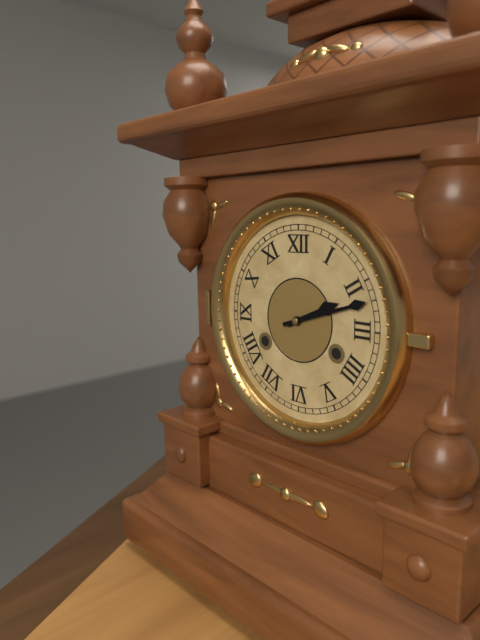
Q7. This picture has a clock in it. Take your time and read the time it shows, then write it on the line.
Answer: 2:12
